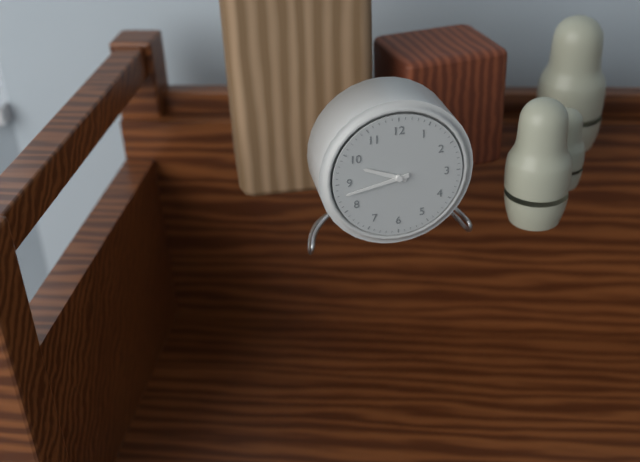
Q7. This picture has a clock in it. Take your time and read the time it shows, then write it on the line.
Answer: 9:43
